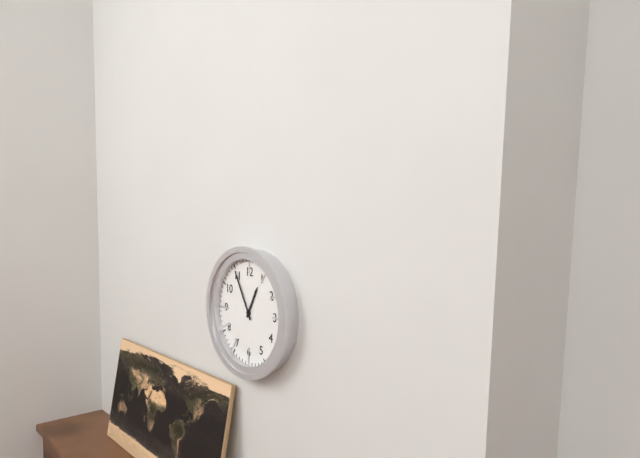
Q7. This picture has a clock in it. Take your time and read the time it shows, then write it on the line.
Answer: 12:55
